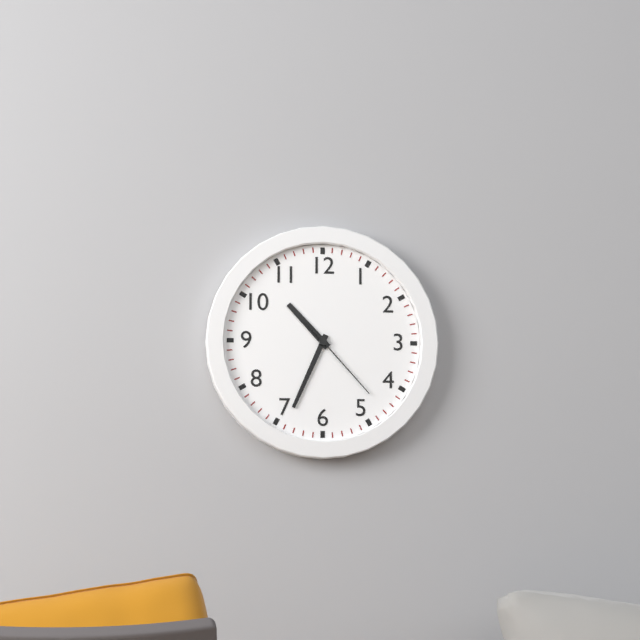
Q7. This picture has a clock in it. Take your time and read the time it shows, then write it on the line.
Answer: 10:34:23
